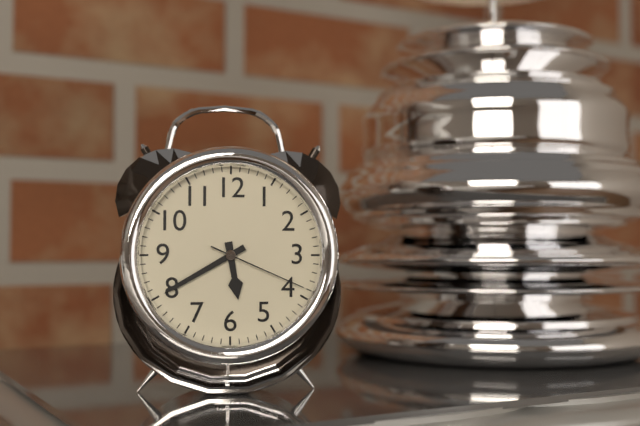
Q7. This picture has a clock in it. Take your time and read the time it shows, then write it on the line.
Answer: 5:40:19
